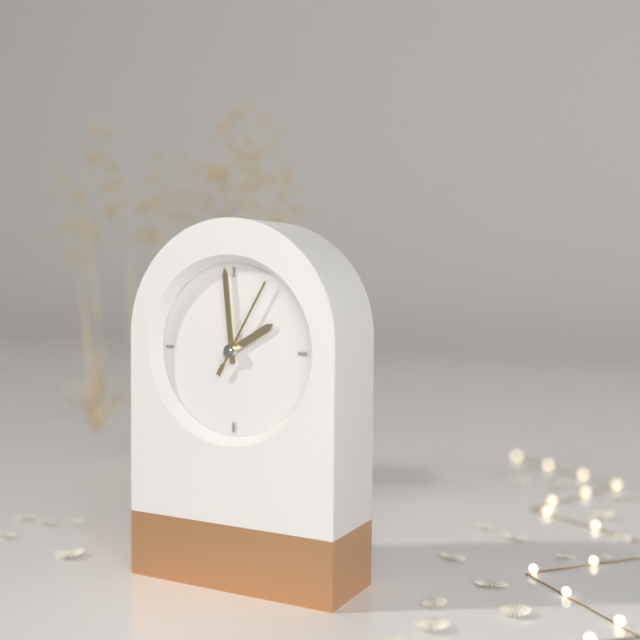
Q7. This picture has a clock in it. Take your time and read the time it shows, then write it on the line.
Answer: 1:59:05
